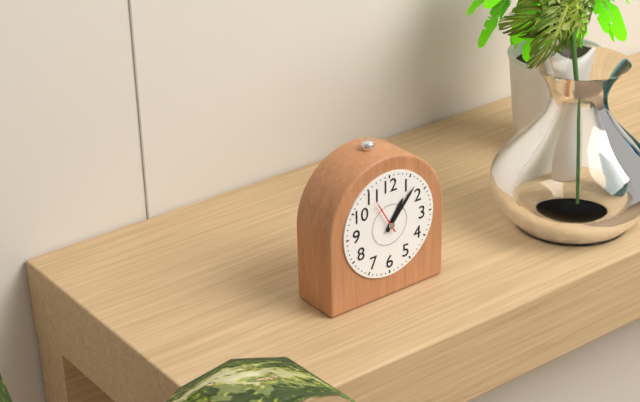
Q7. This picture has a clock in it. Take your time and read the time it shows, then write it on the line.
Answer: 1:07
